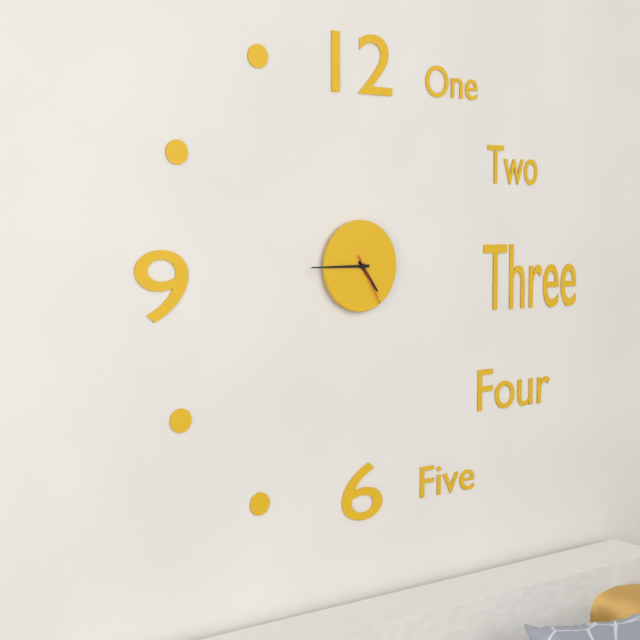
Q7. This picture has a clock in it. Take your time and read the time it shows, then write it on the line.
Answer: 4:45:25
